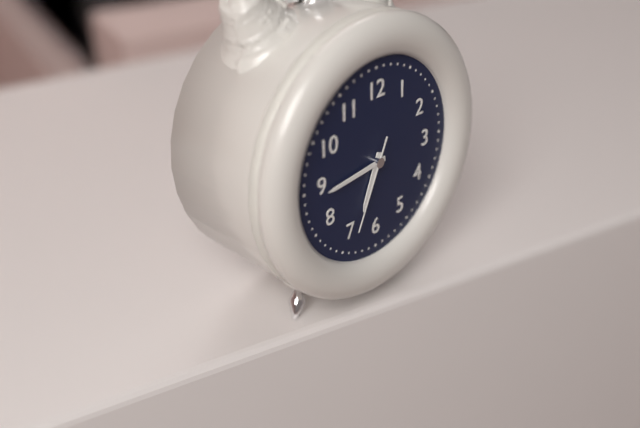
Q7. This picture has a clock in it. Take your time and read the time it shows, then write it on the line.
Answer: 6:44:34
